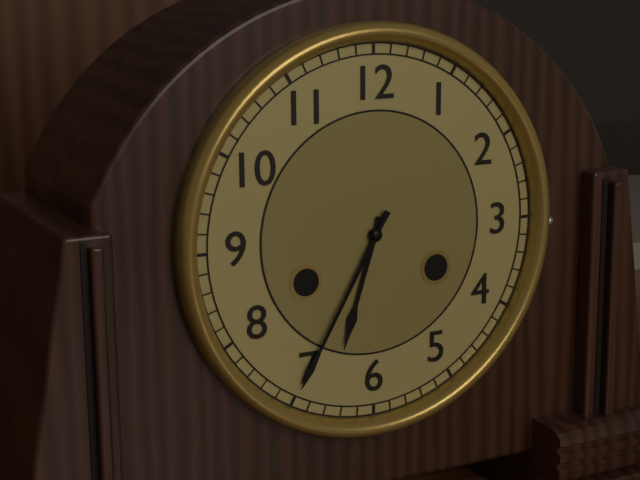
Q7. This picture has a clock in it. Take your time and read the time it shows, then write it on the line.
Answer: 6:35
